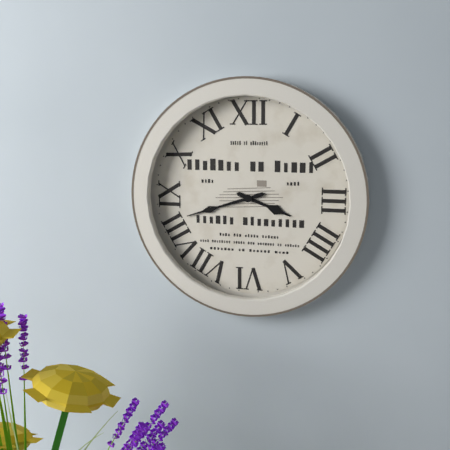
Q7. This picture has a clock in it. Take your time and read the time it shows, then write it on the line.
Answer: 3:42
